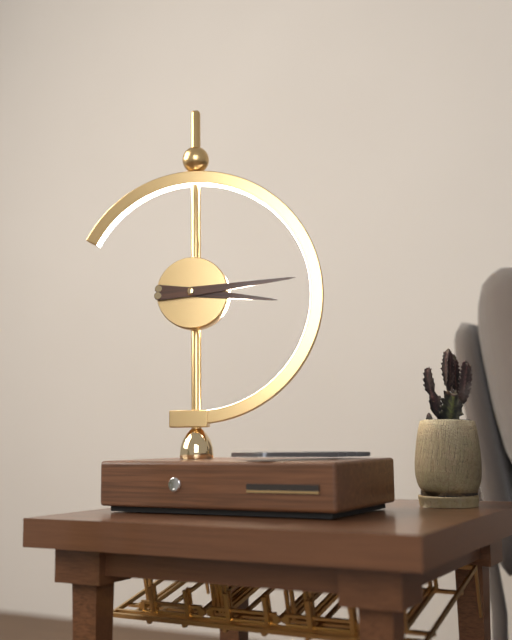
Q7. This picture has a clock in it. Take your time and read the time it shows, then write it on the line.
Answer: 3:14
